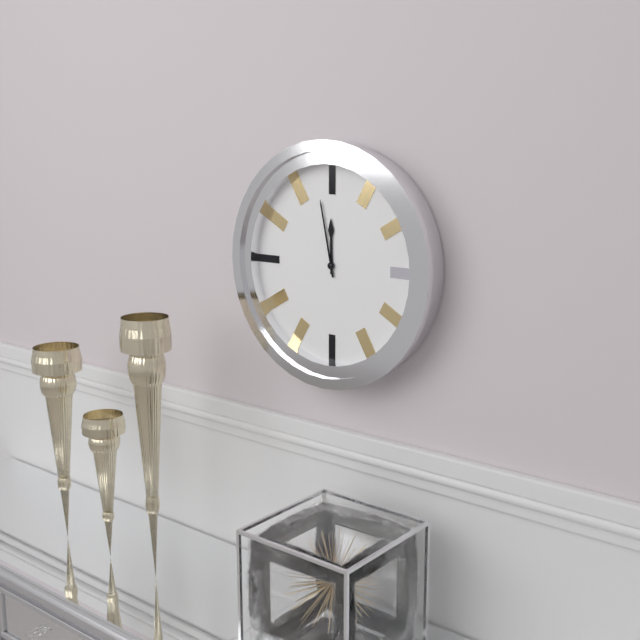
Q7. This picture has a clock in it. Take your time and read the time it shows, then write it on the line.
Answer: 11:58
